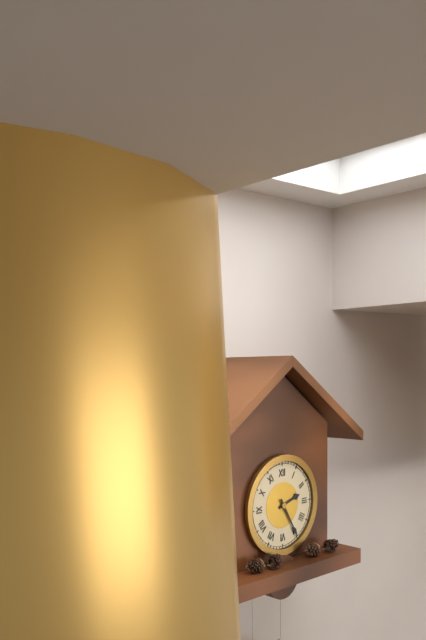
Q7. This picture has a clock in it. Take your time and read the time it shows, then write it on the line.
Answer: 2:25
